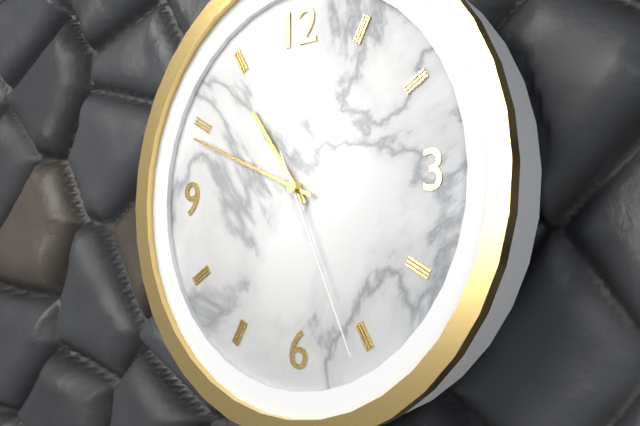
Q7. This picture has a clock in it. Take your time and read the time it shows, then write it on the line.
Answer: 10:49:26
